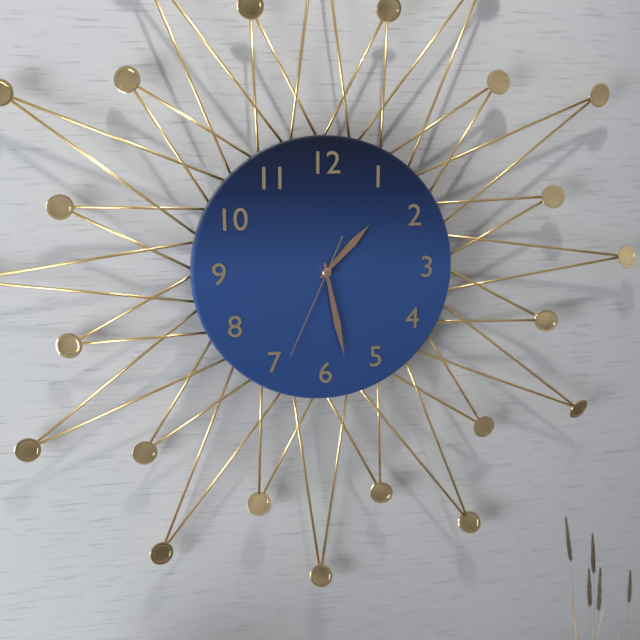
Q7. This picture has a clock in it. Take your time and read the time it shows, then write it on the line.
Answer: 1:28:34
